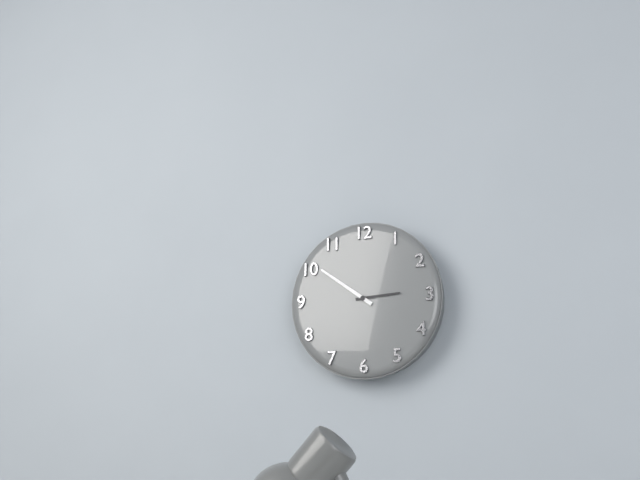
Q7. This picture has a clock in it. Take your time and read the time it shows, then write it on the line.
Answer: 2:51
